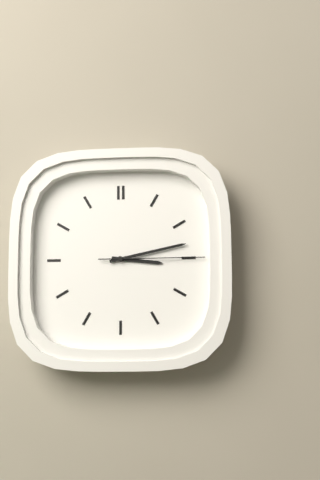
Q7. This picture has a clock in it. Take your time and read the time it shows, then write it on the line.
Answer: 3:13:15
